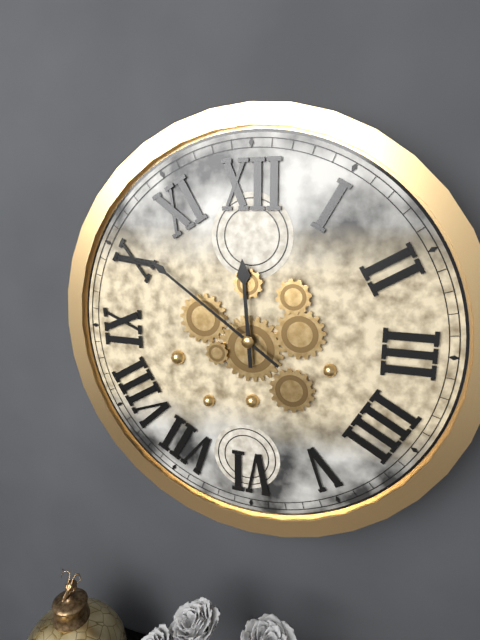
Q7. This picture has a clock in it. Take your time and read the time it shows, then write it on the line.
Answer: 11:51
